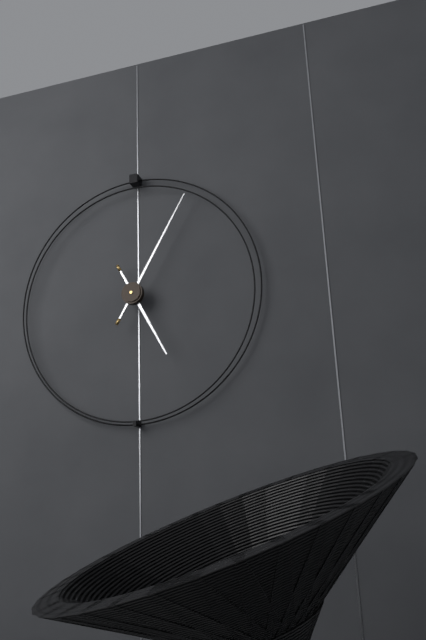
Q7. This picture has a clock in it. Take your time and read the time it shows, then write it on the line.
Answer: 5:05
